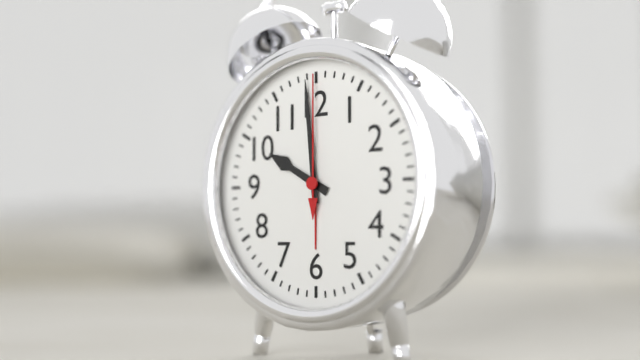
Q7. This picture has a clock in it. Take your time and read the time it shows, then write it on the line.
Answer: 9:59:00
